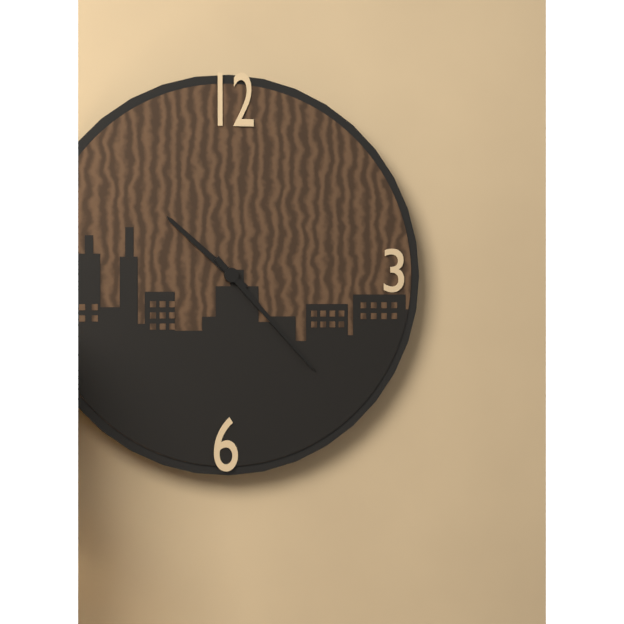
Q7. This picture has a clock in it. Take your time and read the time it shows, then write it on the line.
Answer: 10:23
